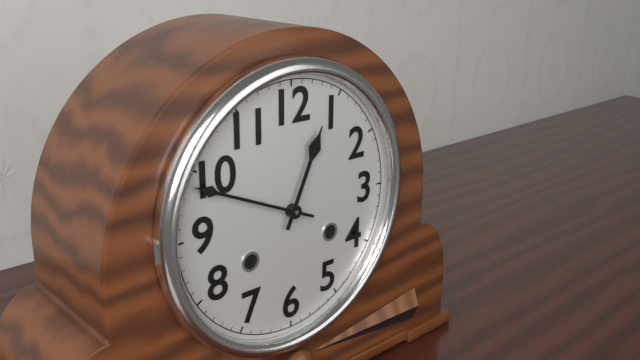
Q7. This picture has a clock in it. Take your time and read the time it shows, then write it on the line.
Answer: 12:49
